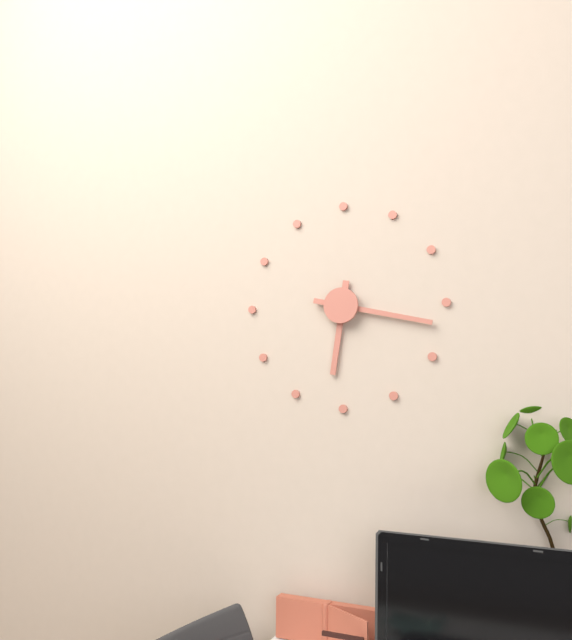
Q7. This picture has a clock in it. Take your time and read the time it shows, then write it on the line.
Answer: 6:17
